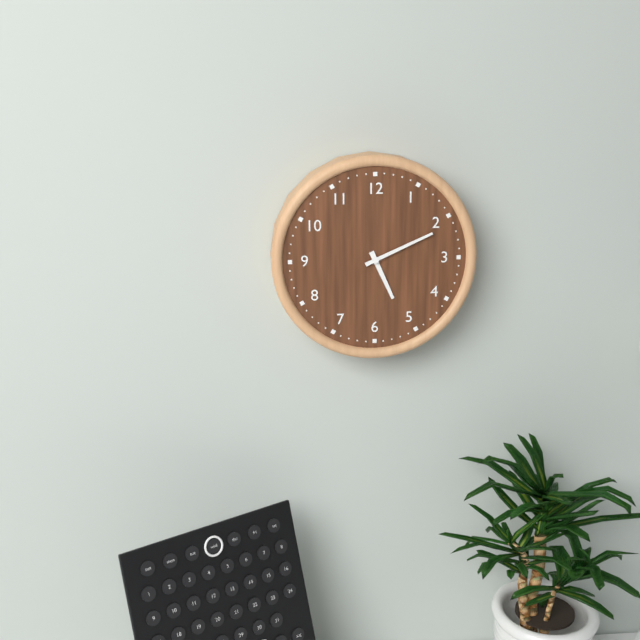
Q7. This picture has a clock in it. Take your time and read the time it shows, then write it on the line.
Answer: 5:11
